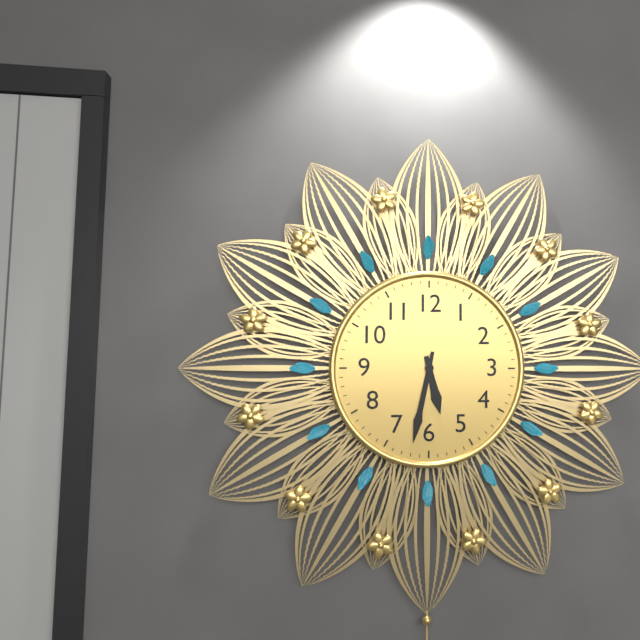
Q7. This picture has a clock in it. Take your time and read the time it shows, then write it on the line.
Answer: 5:32
